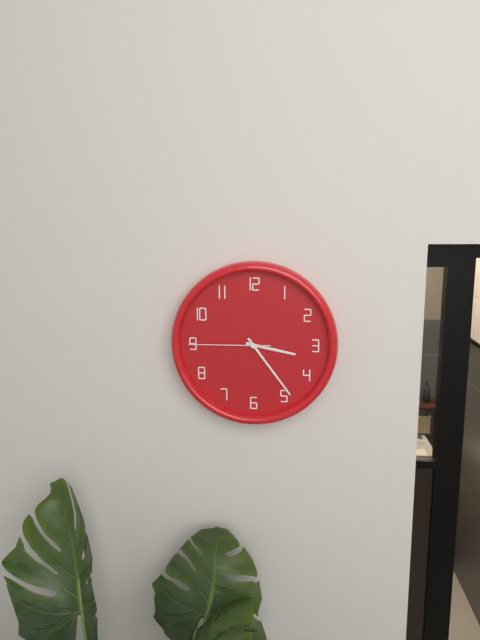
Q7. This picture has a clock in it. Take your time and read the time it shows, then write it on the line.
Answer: 3:24:45
